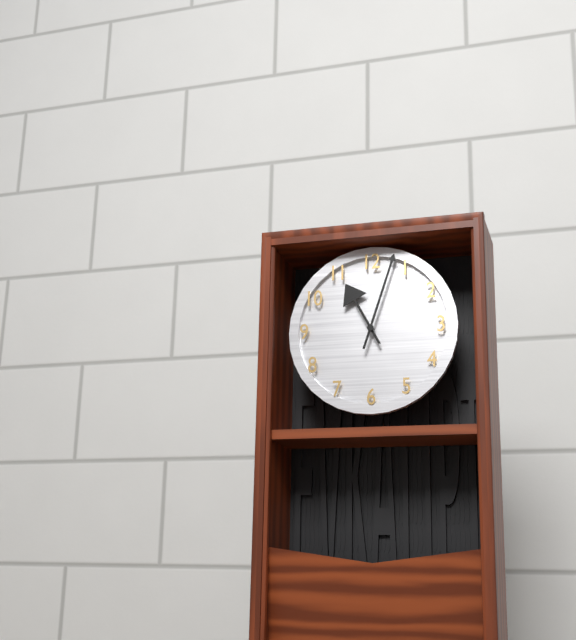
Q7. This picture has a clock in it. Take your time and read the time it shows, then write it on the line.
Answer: 11:03
